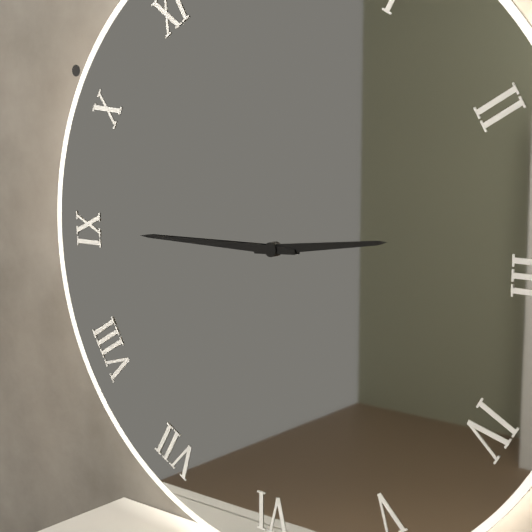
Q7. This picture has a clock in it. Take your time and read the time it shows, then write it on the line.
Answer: 2:45
